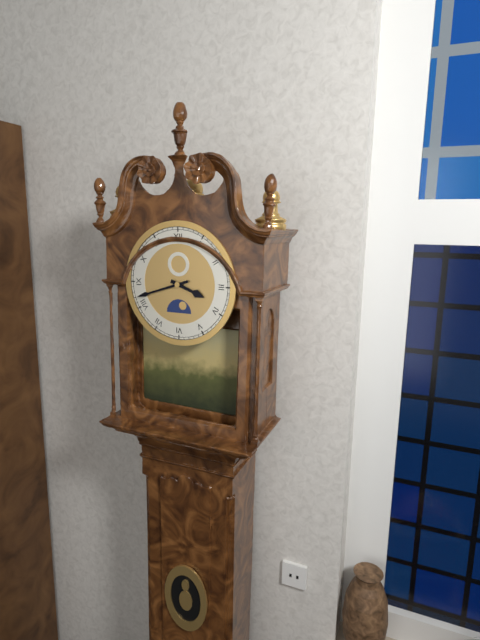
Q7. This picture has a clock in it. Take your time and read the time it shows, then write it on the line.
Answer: 3:42
